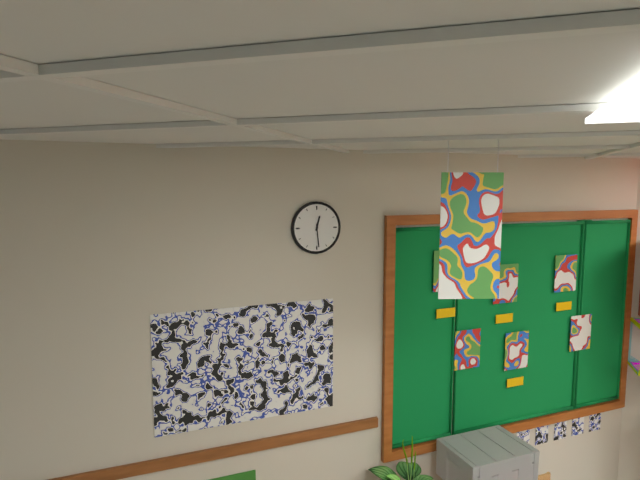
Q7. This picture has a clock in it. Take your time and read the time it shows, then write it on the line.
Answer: 12:29
